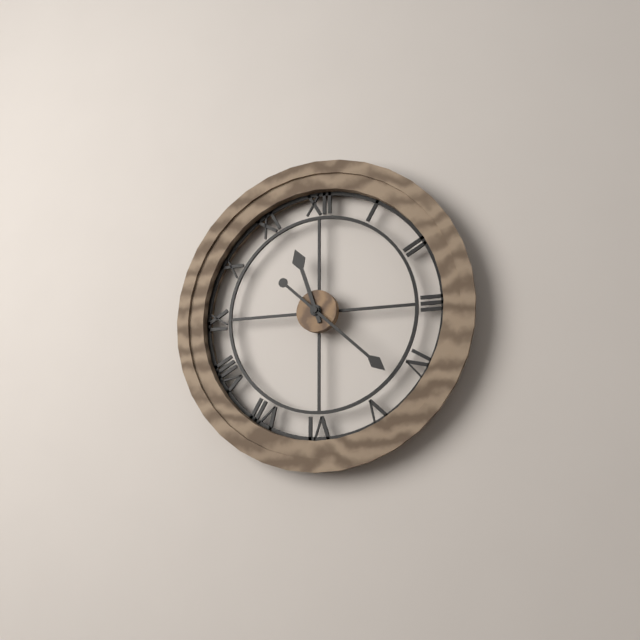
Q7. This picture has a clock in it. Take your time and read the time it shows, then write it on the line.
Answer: 11:22
